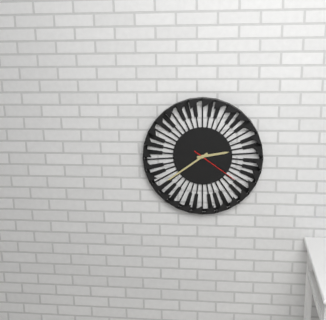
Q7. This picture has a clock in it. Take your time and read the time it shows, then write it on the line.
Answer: 2:39
